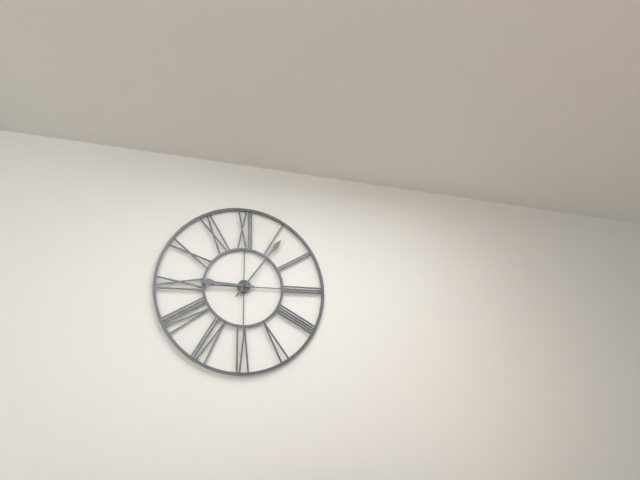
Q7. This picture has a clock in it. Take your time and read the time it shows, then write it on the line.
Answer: 9:06
